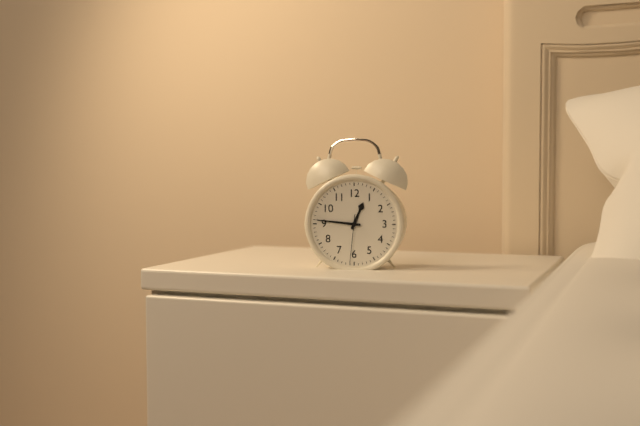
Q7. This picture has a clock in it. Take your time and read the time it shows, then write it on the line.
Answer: 12:46
